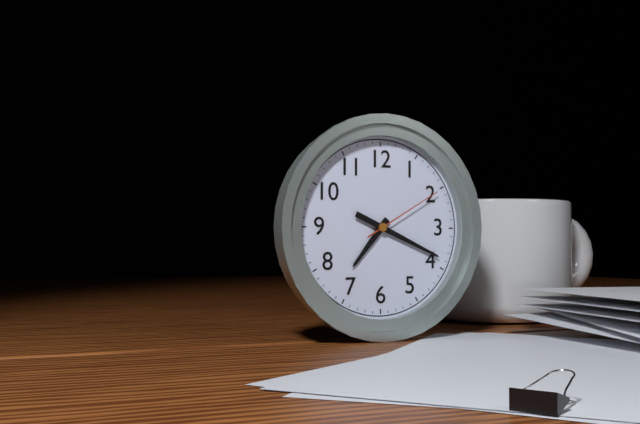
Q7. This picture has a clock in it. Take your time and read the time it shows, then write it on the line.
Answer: 7:19:10
